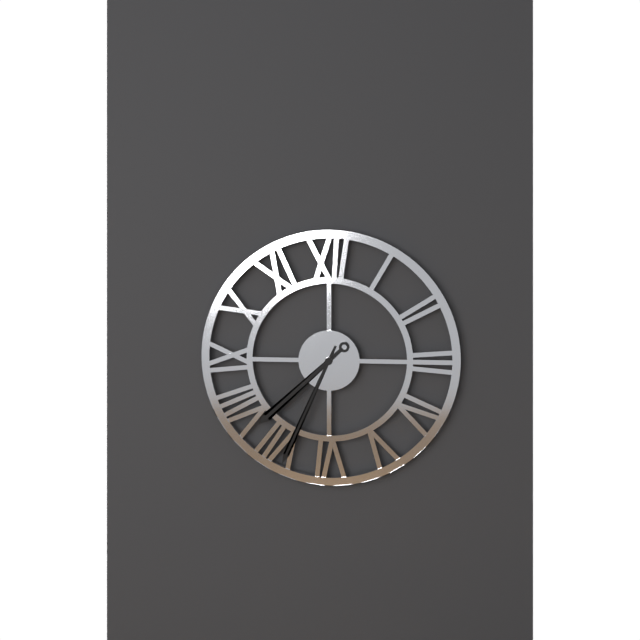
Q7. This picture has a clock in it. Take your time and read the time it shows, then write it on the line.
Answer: 7:34
